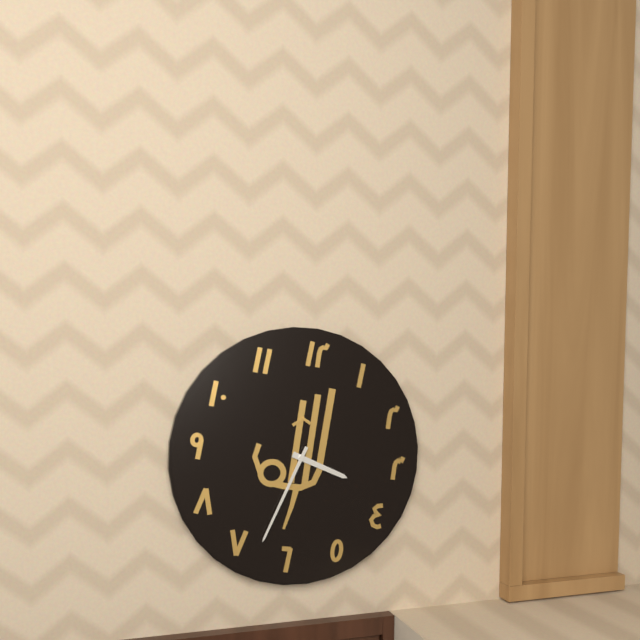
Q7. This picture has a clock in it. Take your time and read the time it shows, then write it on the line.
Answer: 3:33
